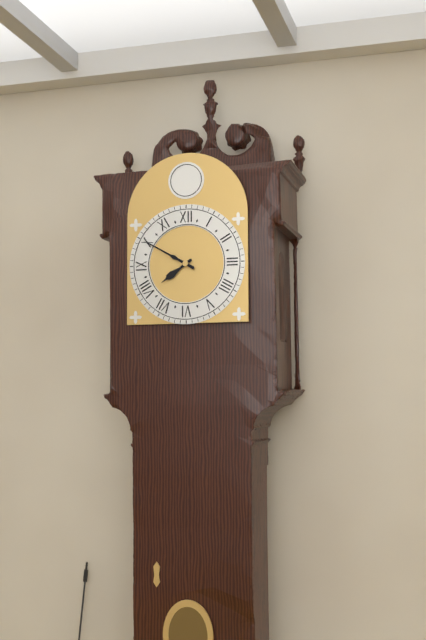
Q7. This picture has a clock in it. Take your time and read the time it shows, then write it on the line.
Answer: 7:50
